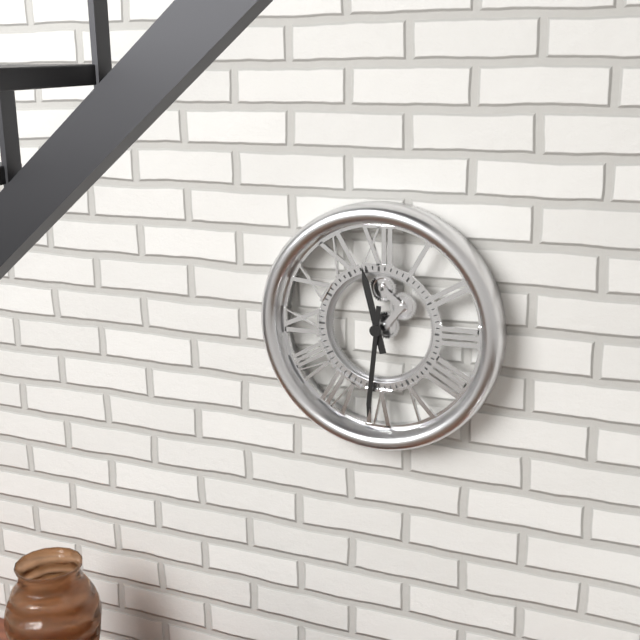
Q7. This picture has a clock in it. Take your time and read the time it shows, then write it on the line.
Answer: 11:31
